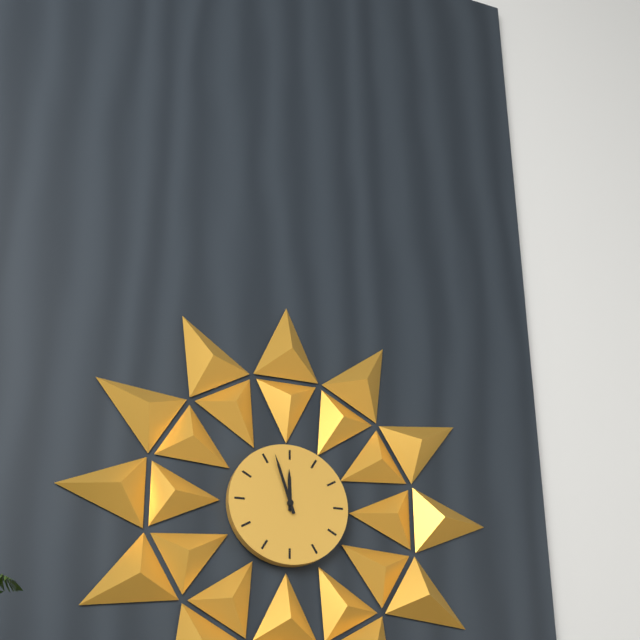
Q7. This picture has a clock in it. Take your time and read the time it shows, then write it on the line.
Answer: 11:57
